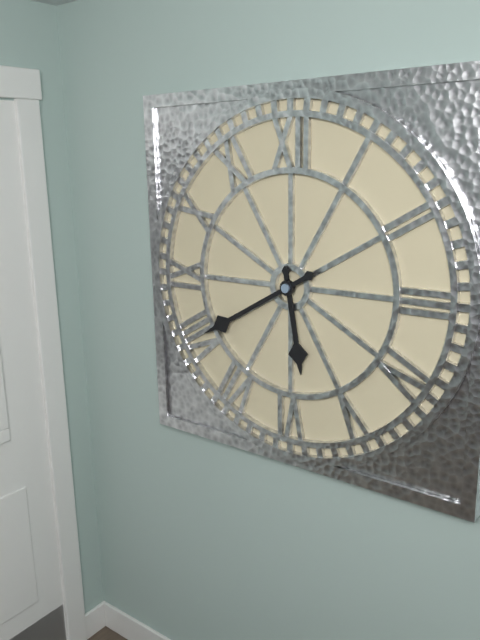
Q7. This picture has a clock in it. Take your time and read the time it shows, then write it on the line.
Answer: 5:40
